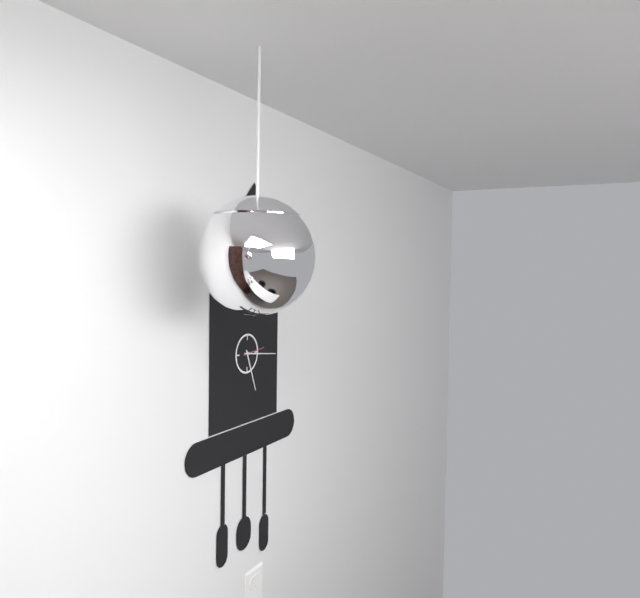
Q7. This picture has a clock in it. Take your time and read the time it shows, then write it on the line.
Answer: 5:16
